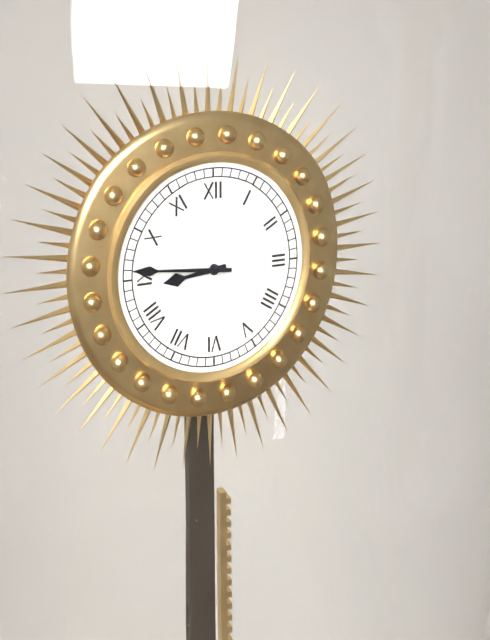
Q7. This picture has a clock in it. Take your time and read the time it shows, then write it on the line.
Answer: 8:46
